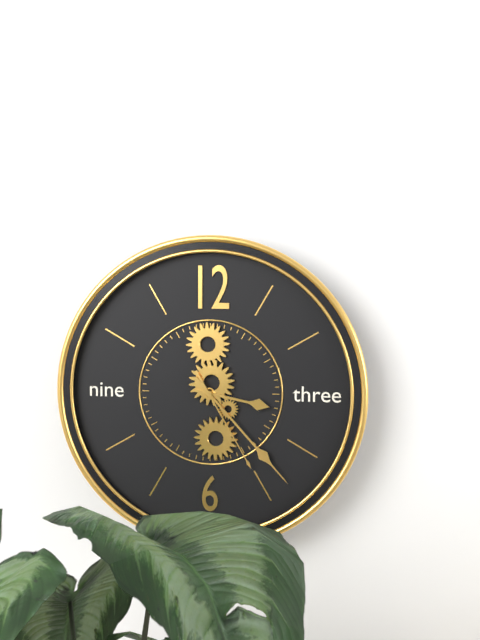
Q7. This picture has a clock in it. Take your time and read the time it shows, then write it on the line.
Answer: 3:23:25
